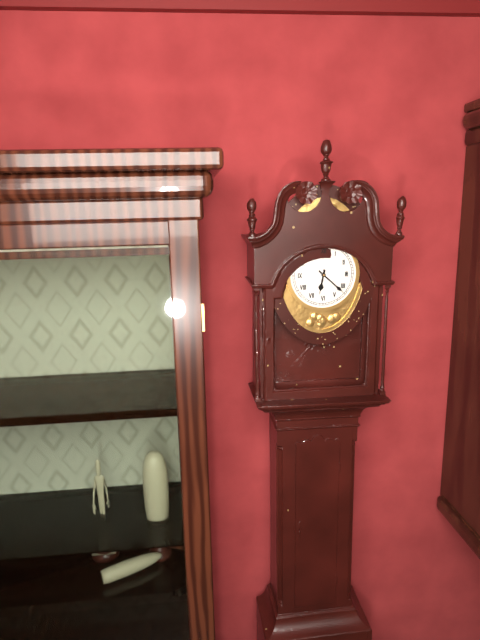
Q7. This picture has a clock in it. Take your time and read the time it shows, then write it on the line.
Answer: 6:22
